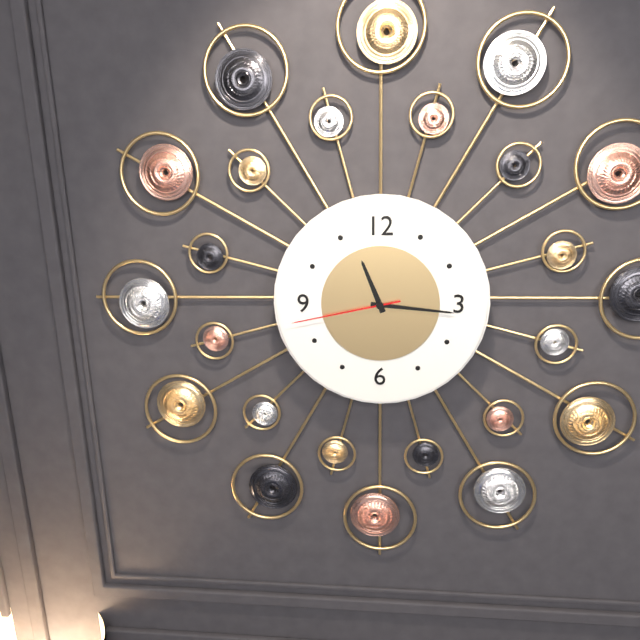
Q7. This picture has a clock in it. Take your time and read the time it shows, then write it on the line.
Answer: 11:16:43
